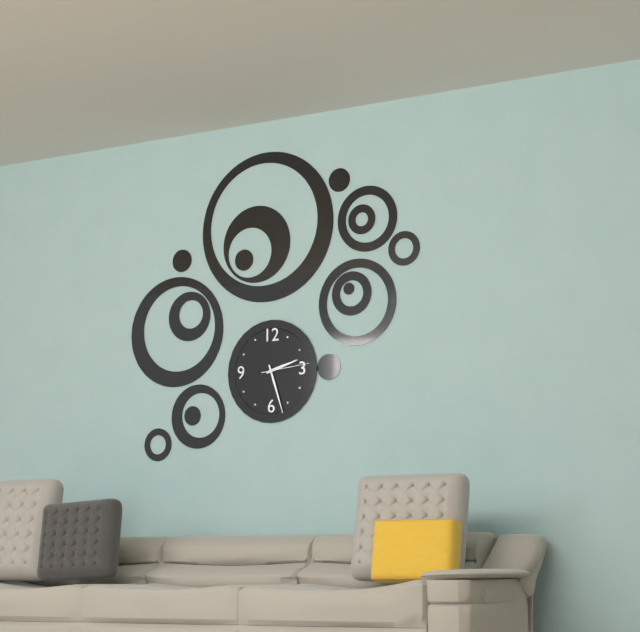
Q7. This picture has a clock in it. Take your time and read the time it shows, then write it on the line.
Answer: 2:27
